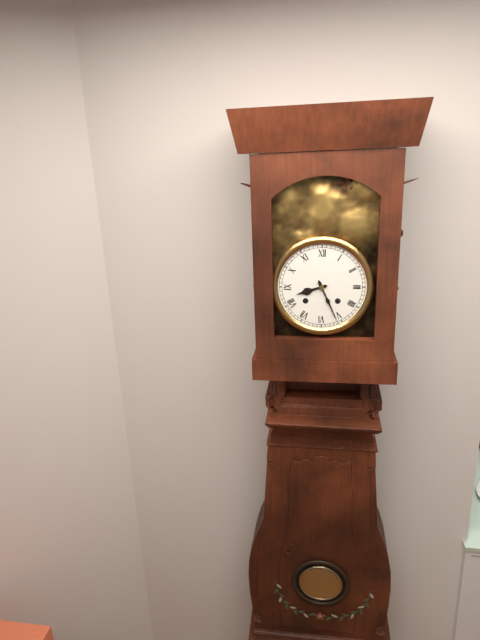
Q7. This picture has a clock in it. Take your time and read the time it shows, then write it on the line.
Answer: 8:26
